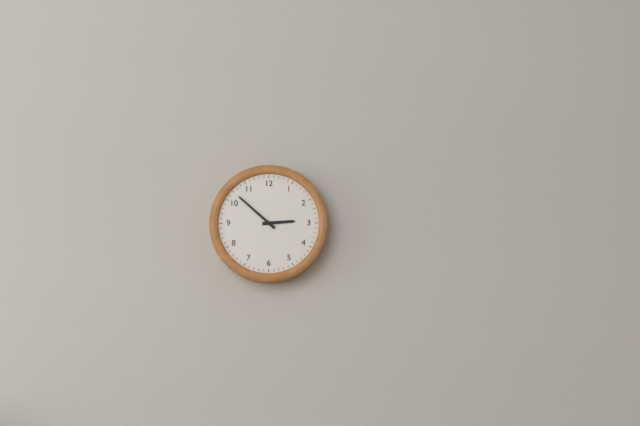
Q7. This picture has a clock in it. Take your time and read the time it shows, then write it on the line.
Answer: 2:52
